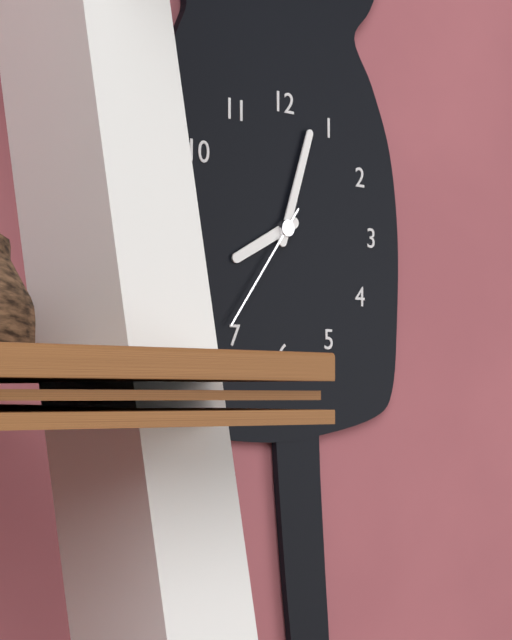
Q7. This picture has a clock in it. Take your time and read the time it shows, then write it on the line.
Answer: 8:03:36
